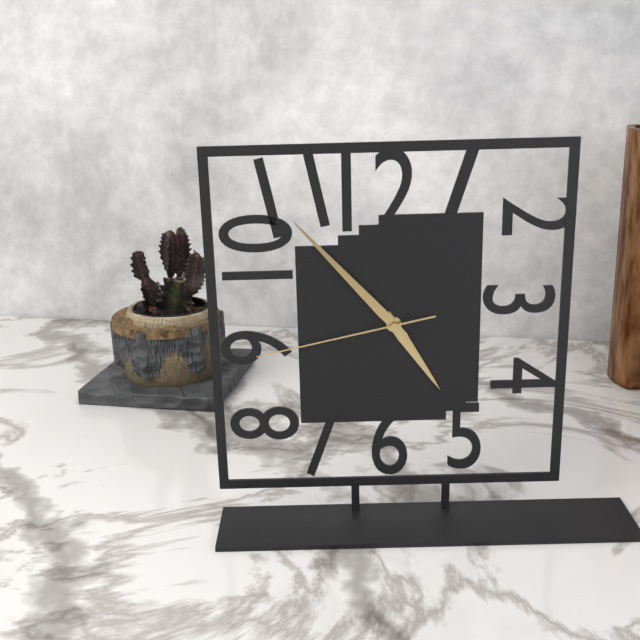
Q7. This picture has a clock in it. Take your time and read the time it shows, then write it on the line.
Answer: 4:53:43
